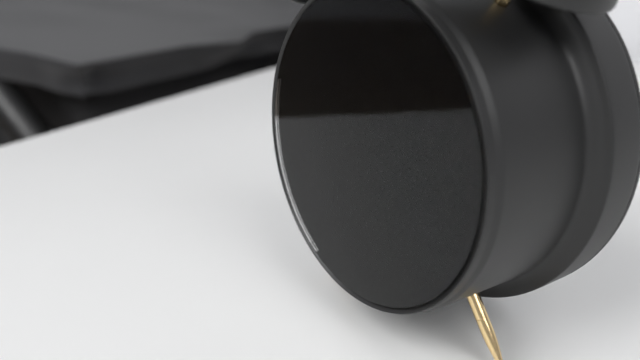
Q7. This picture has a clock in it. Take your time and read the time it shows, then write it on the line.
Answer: 8:09:13
